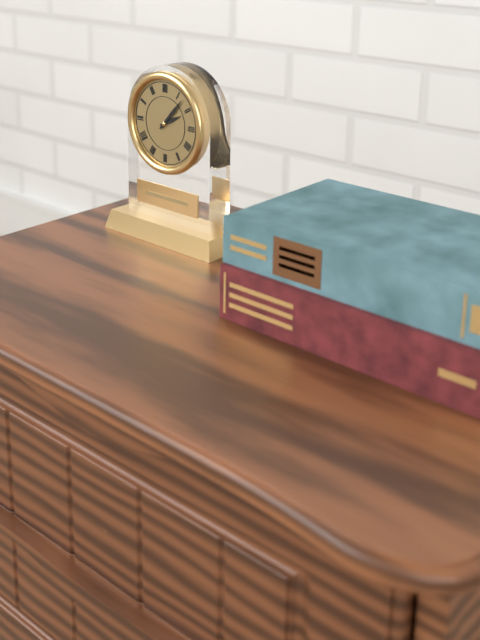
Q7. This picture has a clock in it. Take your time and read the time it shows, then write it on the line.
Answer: 2:07
